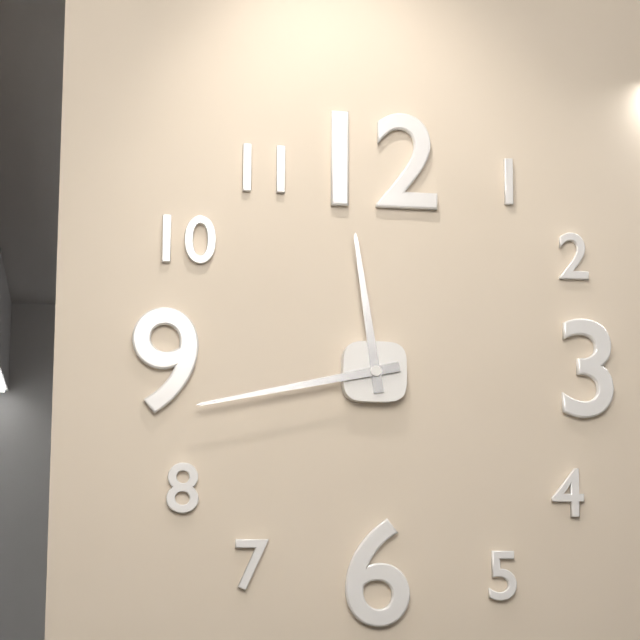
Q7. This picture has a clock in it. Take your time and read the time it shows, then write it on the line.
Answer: 11:43
